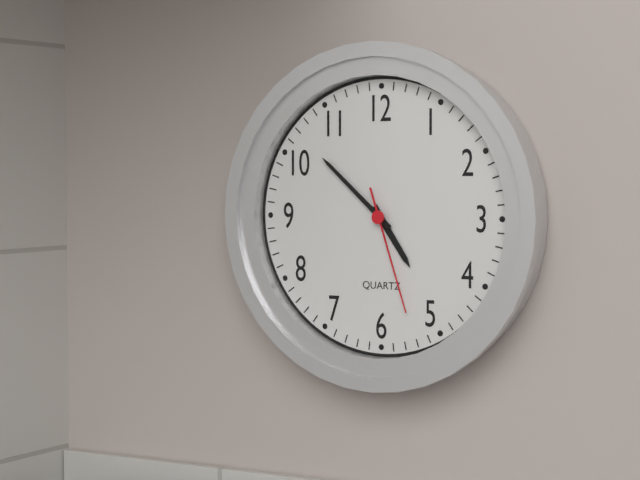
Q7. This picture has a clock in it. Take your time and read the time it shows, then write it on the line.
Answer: 4:52:27
